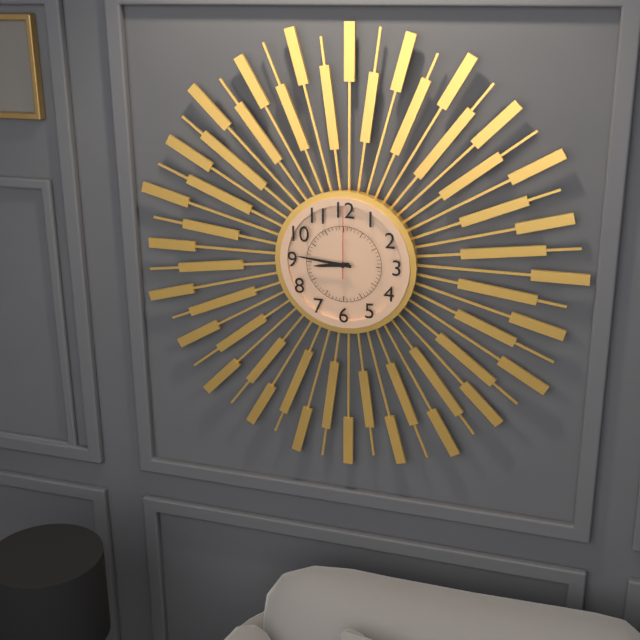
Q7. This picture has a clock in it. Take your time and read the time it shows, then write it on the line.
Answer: 8:46:00
